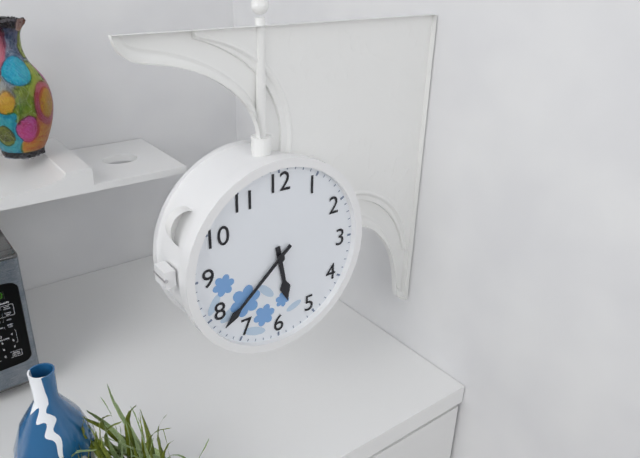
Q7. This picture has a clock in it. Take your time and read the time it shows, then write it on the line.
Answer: 5:38
